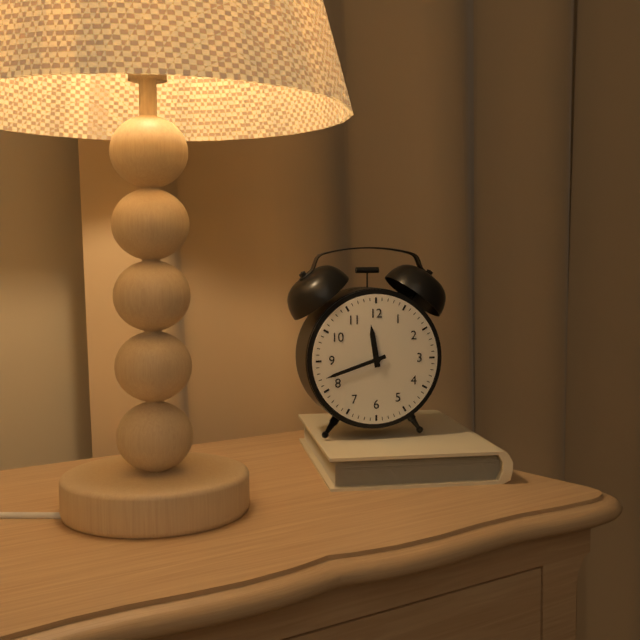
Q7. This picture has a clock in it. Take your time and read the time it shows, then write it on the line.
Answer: 11:42
